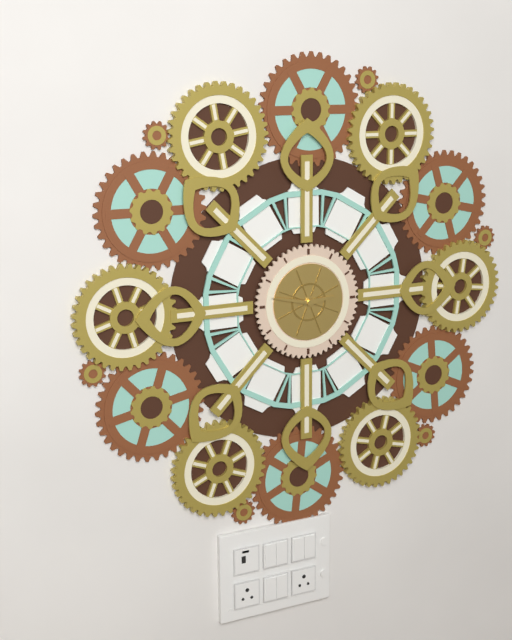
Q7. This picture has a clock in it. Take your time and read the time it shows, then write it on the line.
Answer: 2:47
